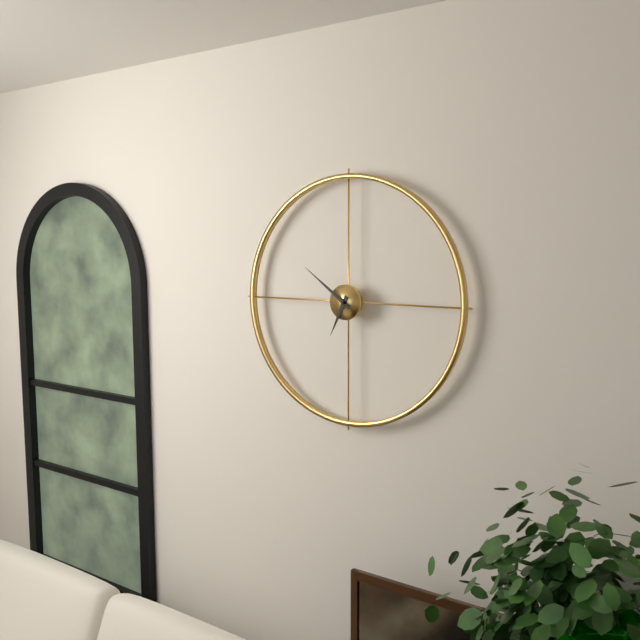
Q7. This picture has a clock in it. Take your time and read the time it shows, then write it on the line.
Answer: 6:51
